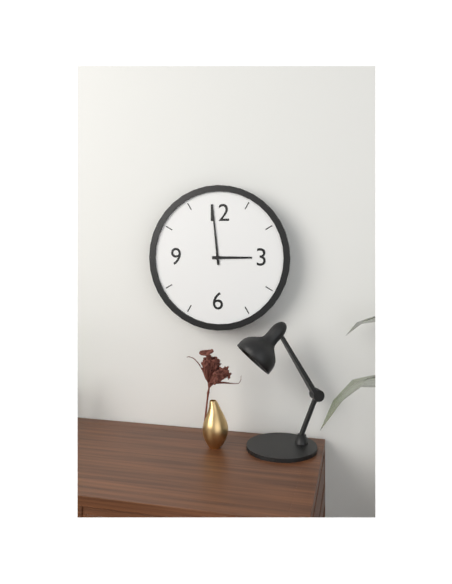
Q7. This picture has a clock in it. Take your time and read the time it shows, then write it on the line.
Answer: 2:59
